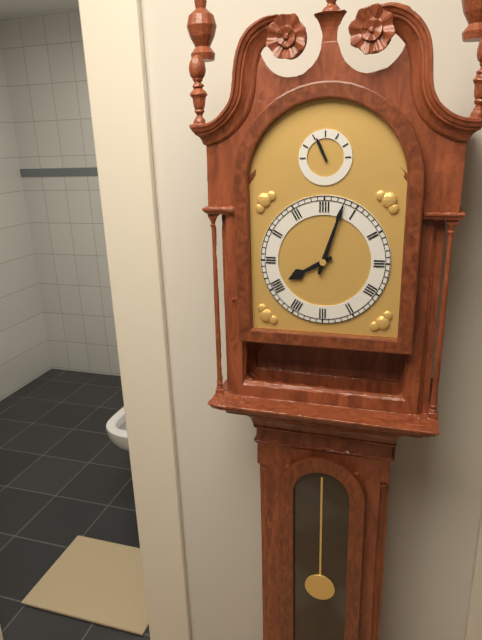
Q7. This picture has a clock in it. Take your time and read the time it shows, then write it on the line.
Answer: 8:03
